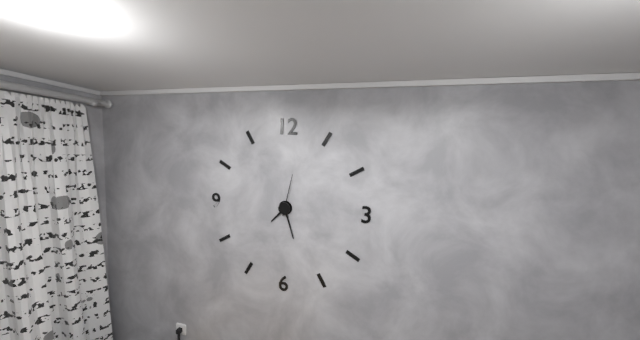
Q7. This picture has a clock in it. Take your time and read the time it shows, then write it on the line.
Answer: 7:27
